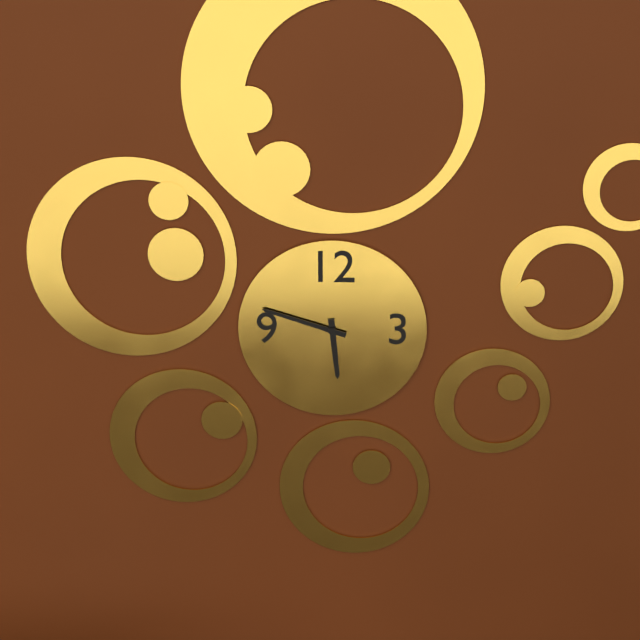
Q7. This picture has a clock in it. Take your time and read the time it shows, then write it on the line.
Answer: 5:48
